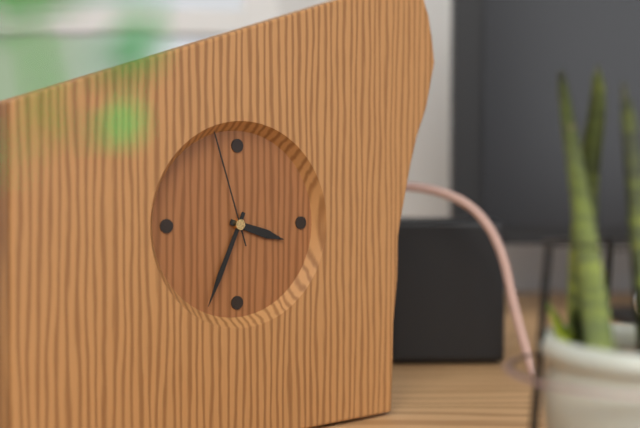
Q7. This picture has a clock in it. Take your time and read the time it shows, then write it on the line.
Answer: 3:34:57
